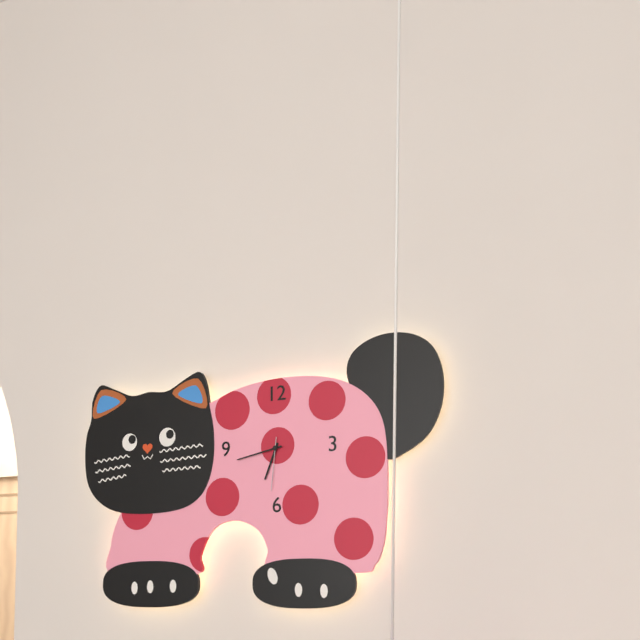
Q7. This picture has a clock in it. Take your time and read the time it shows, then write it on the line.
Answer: 6:43:31
